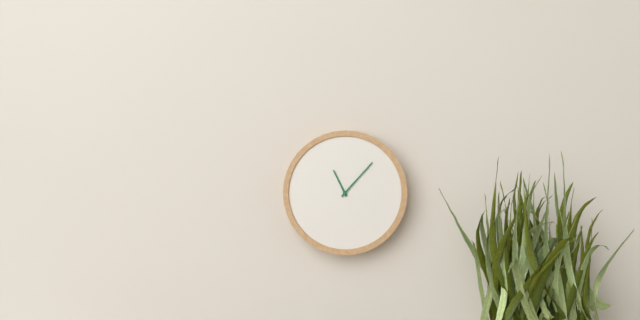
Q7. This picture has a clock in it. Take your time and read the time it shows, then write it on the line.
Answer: 11:07
